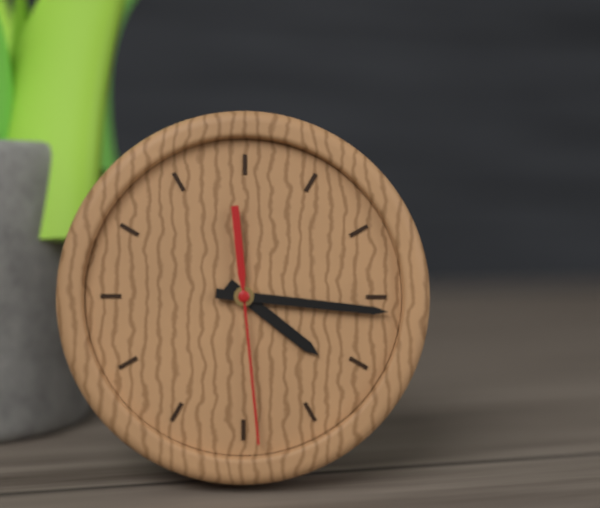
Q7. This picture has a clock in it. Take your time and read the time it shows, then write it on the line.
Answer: 4:16:29
